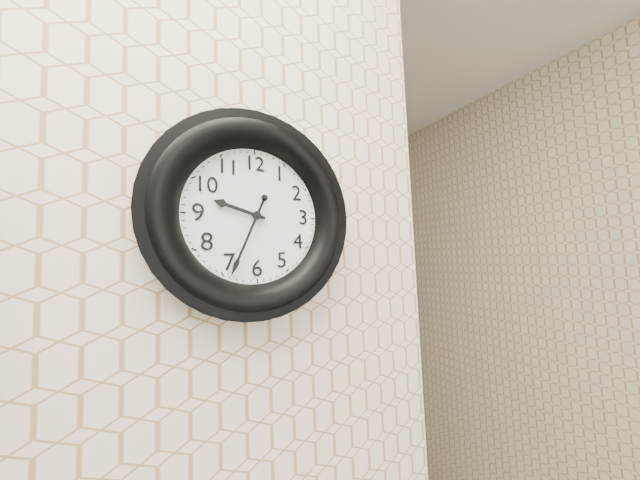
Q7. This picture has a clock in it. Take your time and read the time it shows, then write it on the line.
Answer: 9:34
